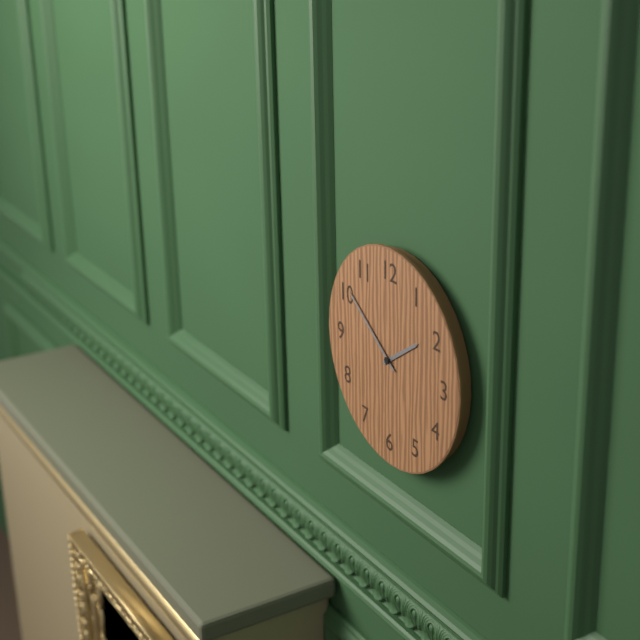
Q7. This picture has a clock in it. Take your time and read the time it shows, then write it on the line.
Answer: 1:51
